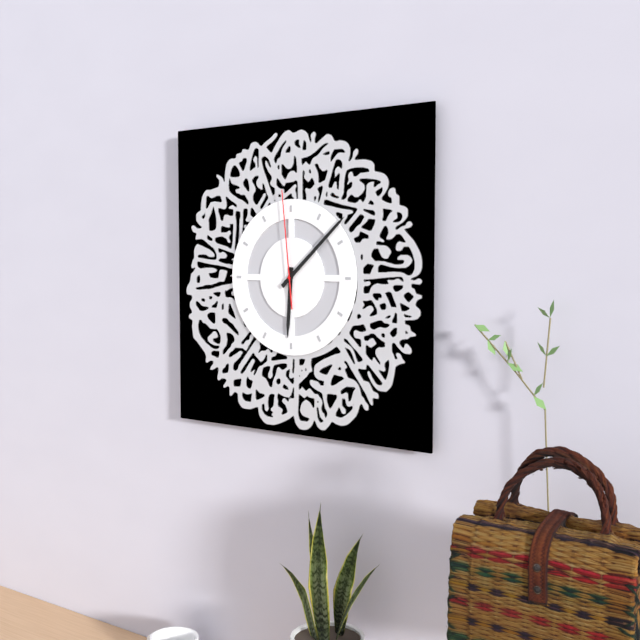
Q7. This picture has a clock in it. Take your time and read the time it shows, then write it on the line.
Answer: 6:08:59
